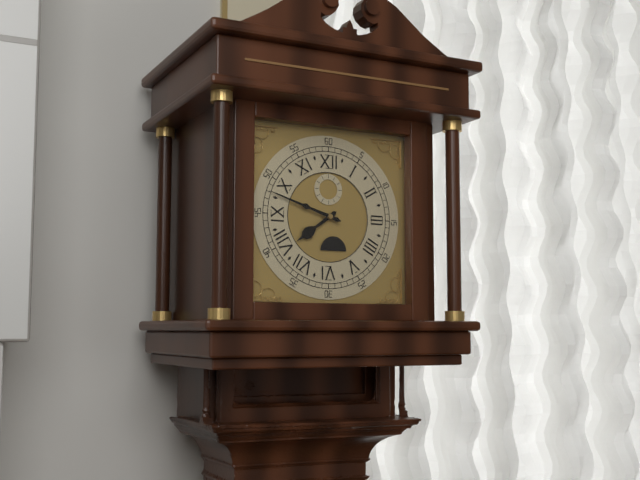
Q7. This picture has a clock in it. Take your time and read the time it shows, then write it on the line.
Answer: 7:48
